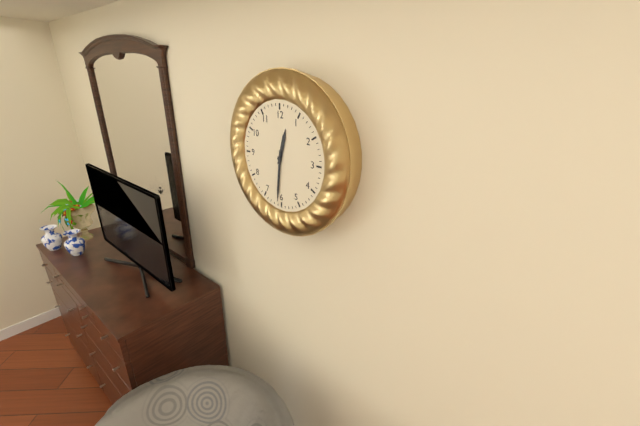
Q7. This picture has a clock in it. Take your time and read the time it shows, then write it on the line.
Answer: 12:31
